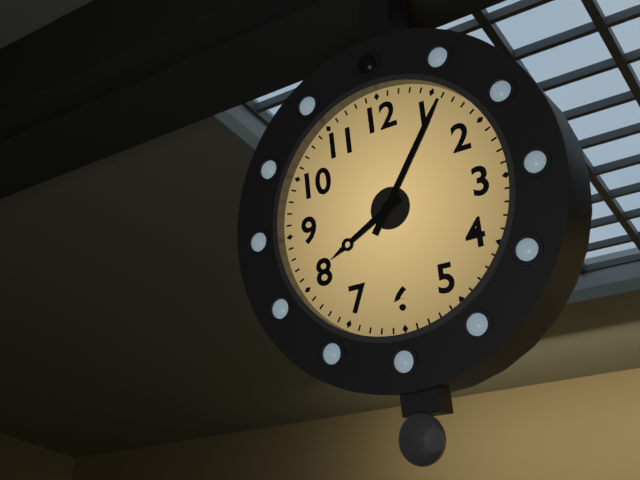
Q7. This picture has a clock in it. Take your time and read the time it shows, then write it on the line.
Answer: 8:06
